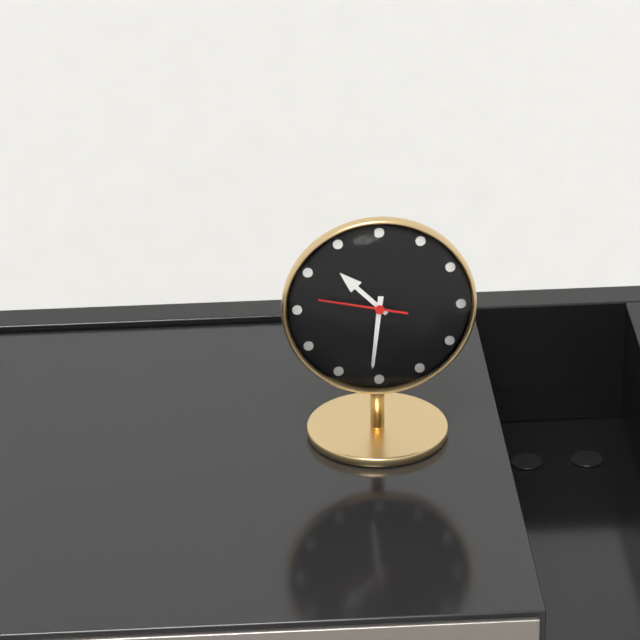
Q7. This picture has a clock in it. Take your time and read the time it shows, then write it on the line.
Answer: 10:31:47
